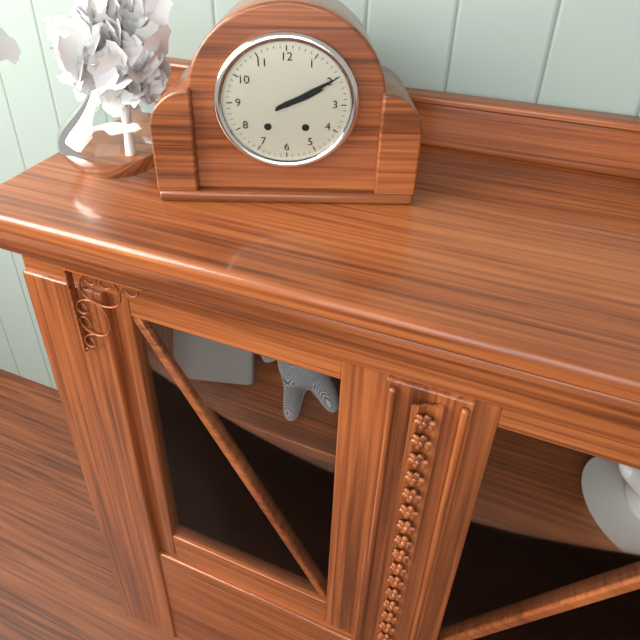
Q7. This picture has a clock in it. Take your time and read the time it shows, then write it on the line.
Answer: 2:10
